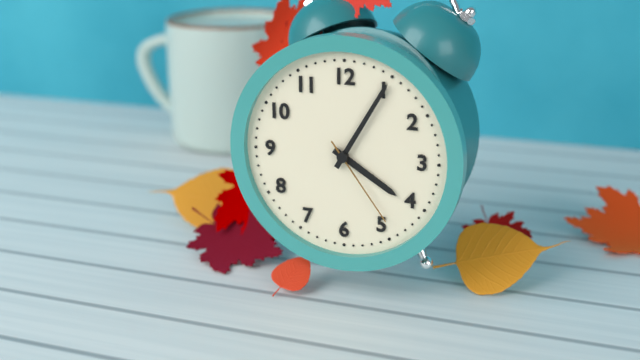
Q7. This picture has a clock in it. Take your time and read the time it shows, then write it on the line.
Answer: 4:05:24
